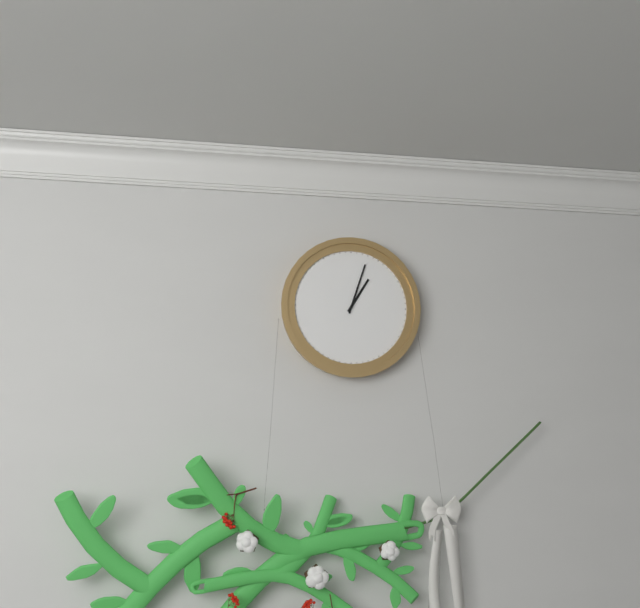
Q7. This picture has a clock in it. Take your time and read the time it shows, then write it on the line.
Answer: 1:03
